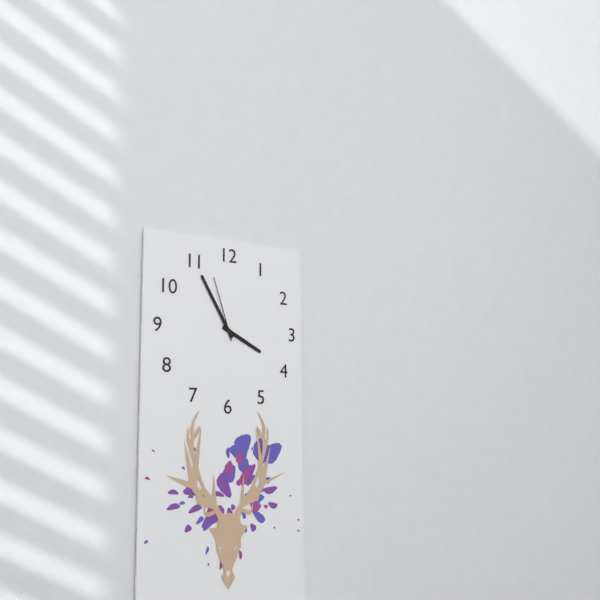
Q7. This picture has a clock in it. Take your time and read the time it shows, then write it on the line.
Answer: 3:55:57
